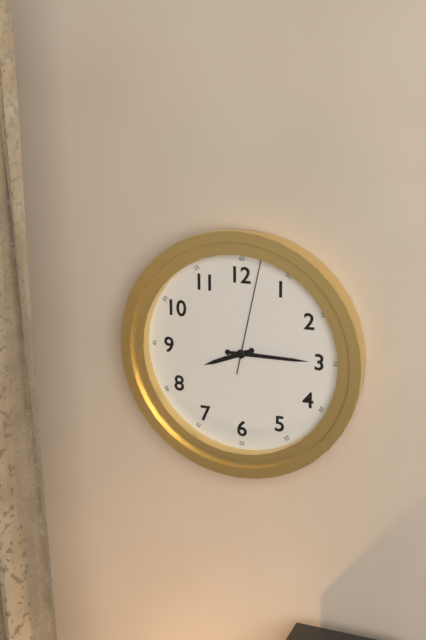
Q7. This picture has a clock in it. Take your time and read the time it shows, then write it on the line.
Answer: 8:15:02
